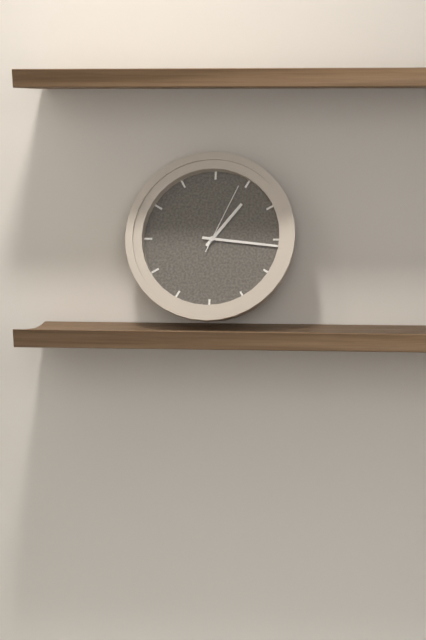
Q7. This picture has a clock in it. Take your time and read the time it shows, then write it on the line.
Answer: 1:16:04
